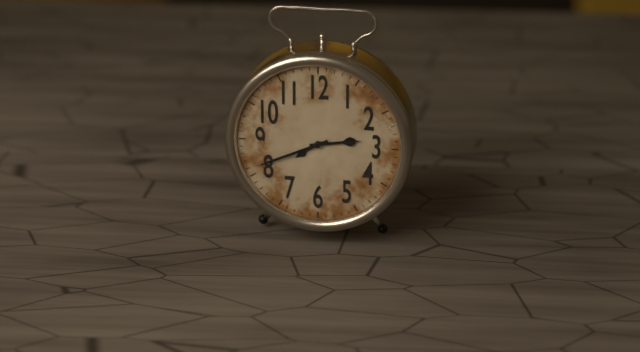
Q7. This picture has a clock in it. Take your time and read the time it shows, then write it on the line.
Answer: 2:41
